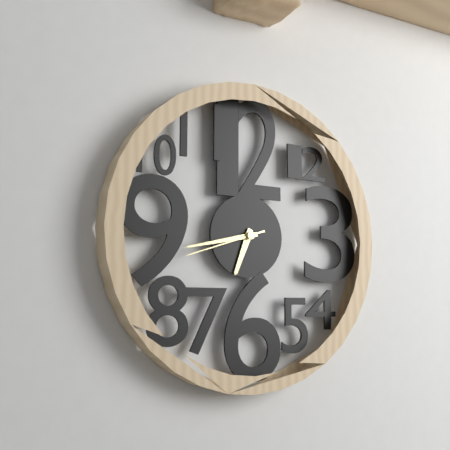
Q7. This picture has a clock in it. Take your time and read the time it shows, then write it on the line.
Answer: 6:43:42
